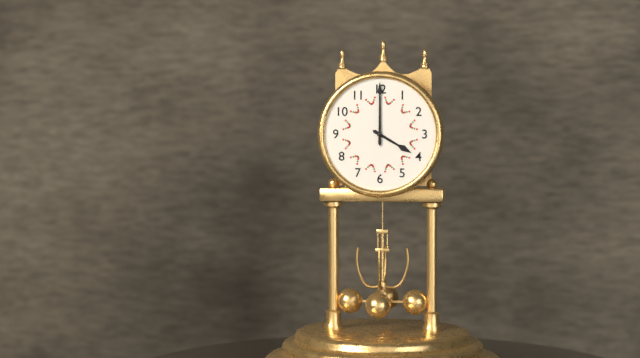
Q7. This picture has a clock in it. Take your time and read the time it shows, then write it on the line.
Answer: 4:00
